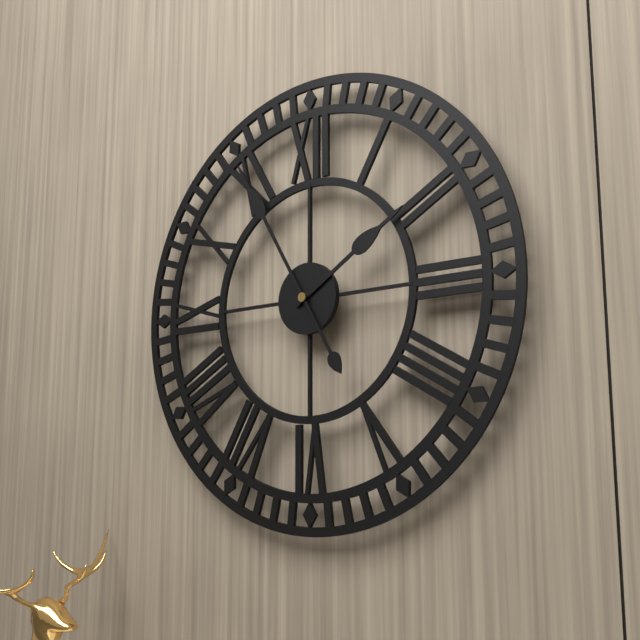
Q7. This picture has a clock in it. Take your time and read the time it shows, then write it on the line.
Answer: 1:55
